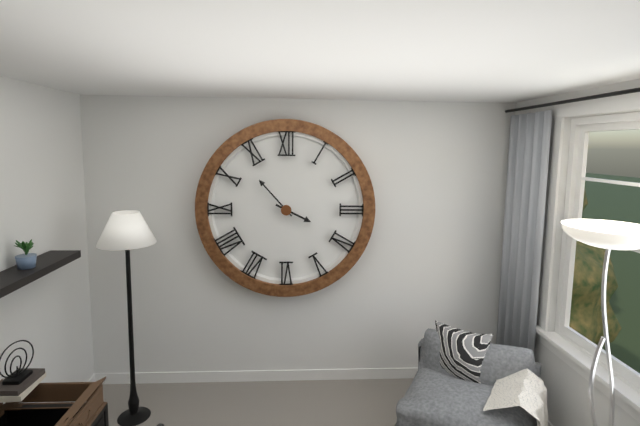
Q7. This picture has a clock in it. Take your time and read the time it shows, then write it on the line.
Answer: 3:53
